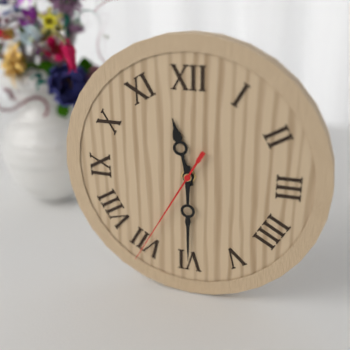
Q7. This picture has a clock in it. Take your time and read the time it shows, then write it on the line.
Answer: 11:30:35
